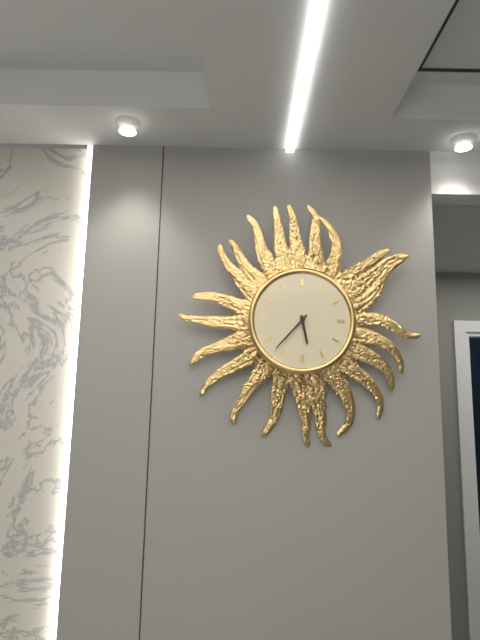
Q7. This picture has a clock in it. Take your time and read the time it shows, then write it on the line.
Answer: 5:37
